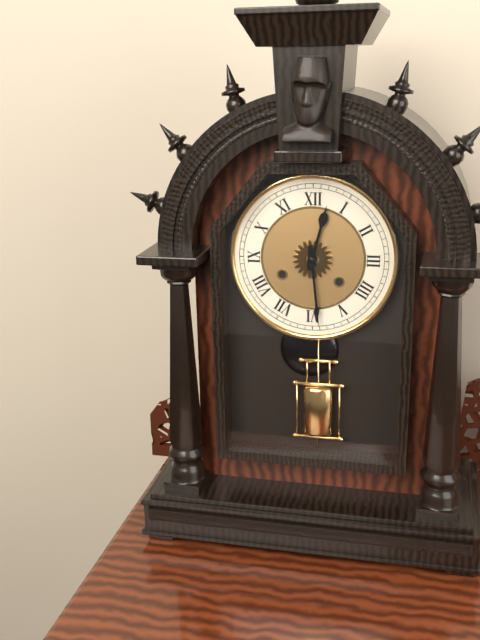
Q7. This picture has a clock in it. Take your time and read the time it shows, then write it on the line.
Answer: 12:29
